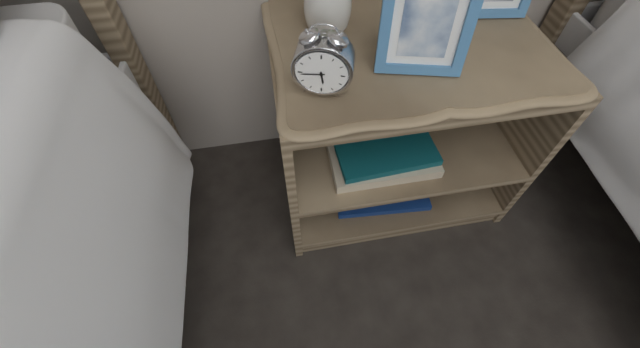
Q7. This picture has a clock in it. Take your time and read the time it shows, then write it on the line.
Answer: 5:44
